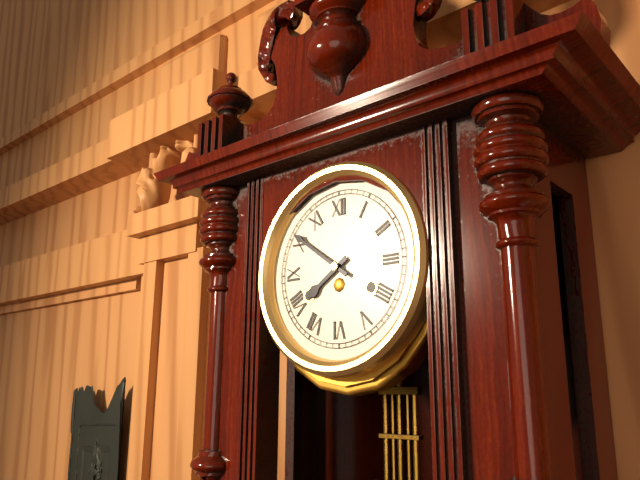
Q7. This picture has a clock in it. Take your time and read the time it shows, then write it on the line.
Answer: 7:51
